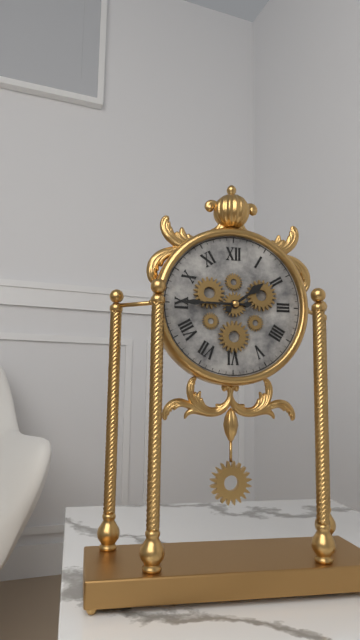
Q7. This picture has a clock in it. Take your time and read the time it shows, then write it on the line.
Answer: 1:45
